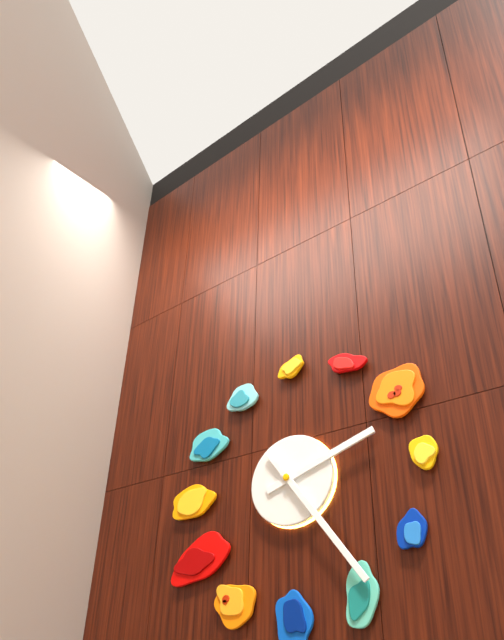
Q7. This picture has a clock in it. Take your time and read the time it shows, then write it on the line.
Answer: 2:24
